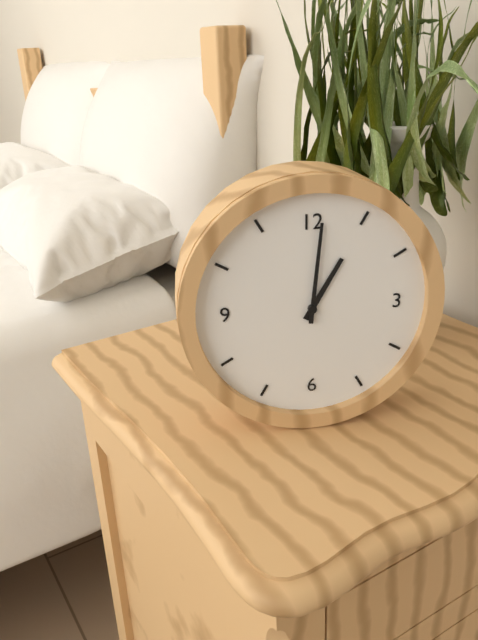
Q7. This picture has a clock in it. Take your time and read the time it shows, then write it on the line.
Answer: 1:01
